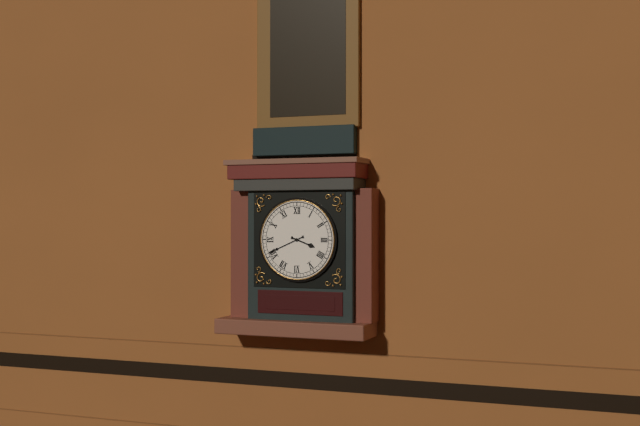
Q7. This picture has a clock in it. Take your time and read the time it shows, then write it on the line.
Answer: 3:41
